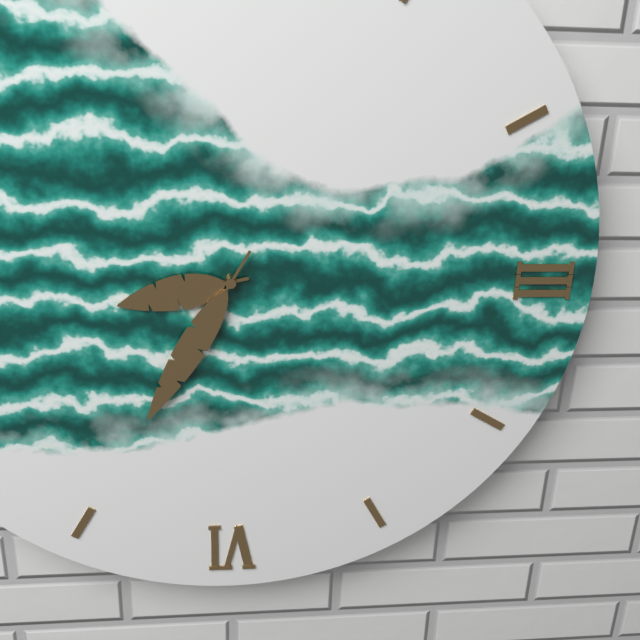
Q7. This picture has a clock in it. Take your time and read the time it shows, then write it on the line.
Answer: 8:35
